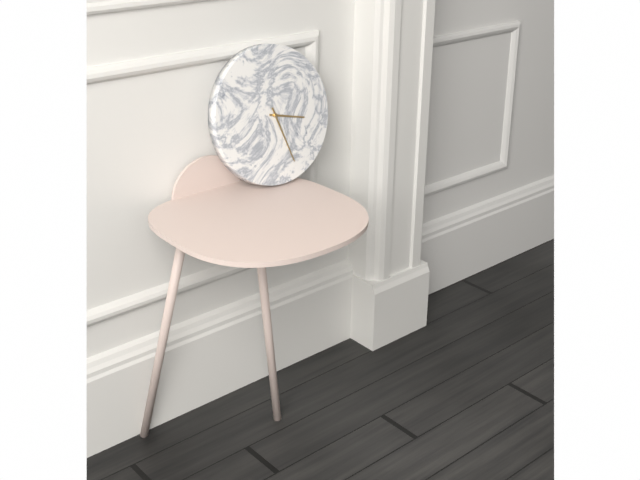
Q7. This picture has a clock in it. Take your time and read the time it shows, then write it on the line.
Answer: 3:27
